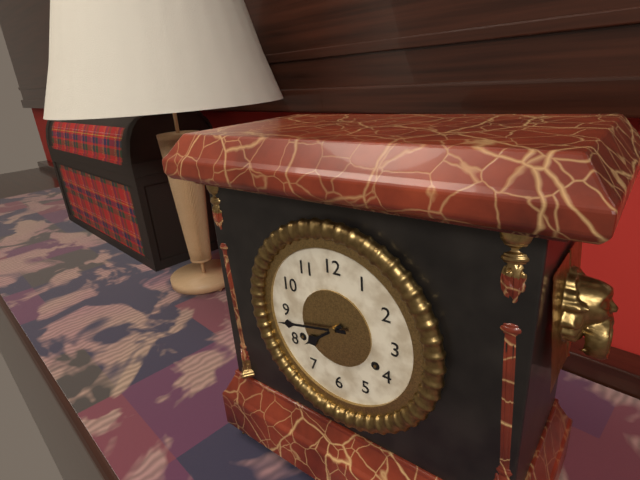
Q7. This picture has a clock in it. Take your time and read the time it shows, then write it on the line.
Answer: 7:43
